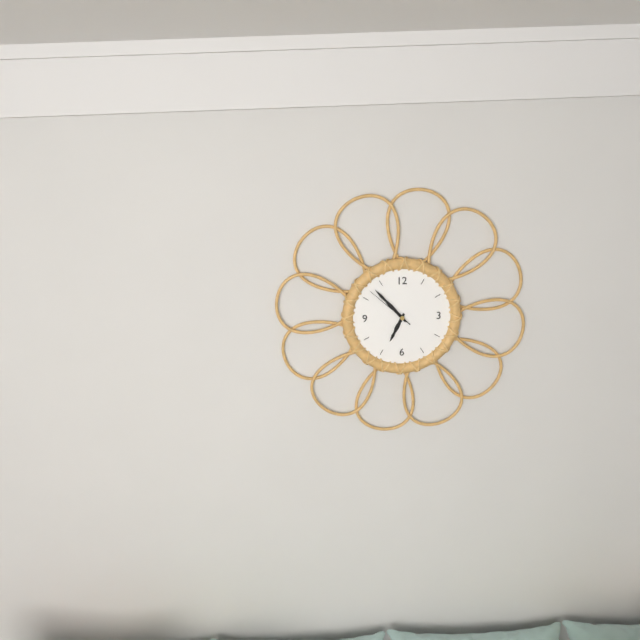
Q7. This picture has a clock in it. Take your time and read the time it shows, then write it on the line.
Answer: 6:53:52
